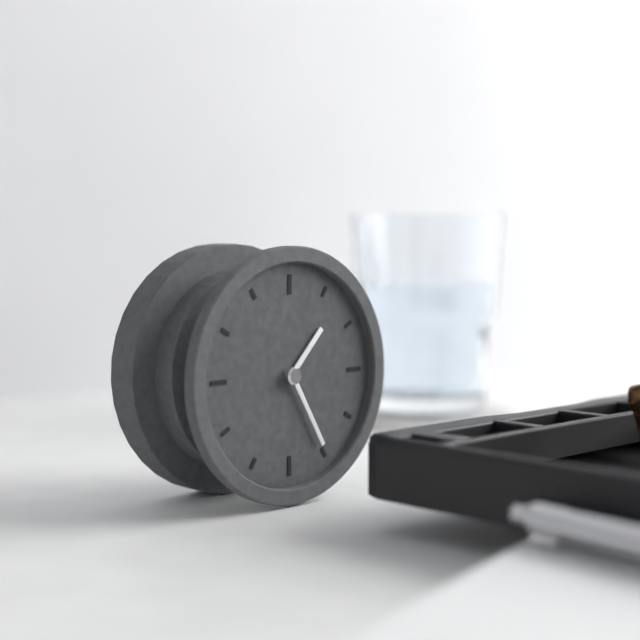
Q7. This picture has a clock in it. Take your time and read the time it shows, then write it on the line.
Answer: 1:25
